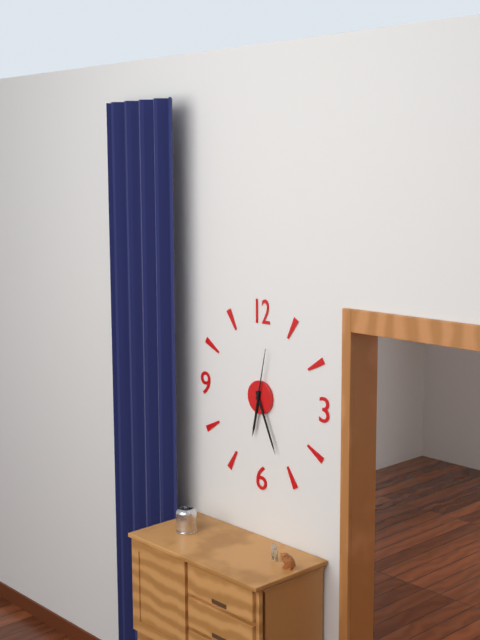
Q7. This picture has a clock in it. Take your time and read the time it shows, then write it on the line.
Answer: 6:26:02
